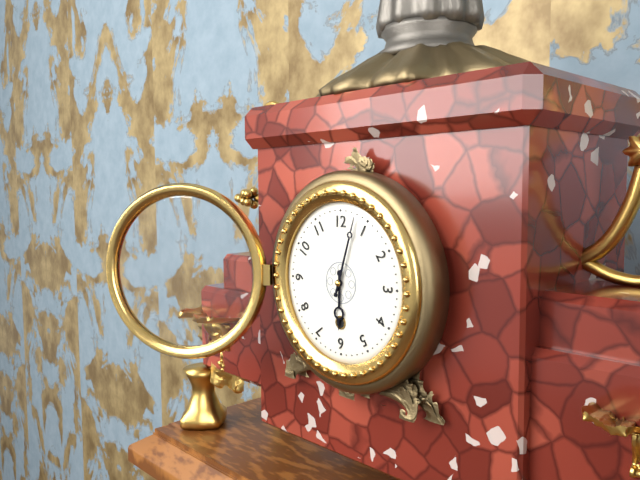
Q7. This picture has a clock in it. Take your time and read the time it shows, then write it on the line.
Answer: 6:03
